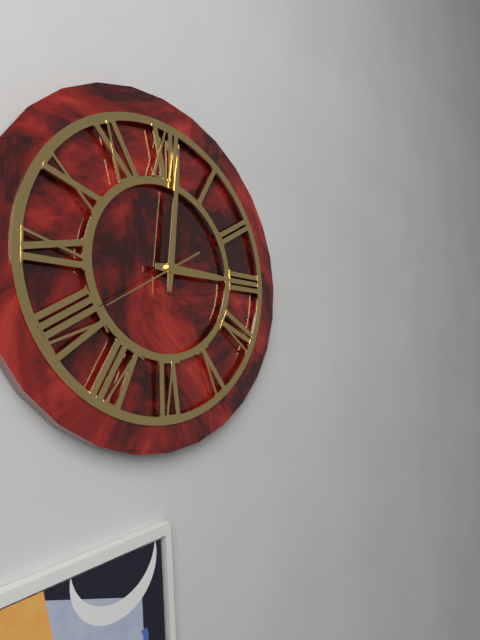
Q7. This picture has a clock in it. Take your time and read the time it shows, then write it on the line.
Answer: 3:01:40
